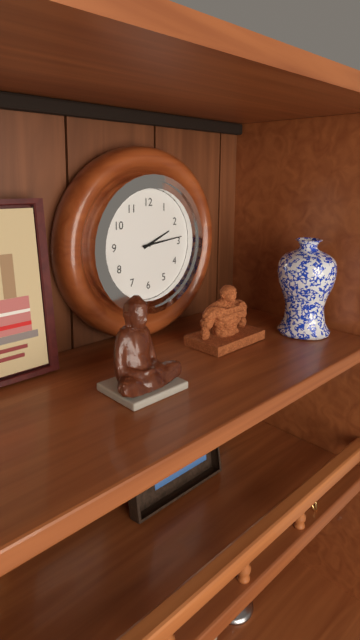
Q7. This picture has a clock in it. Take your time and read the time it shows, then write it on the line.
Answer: 2:14
